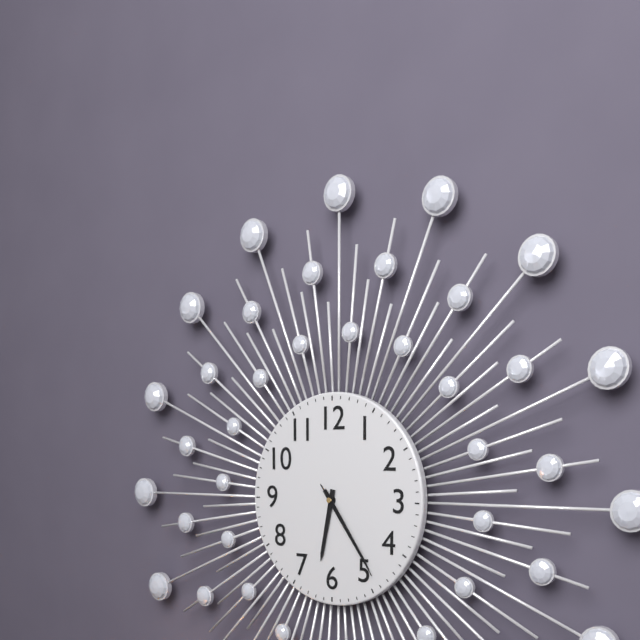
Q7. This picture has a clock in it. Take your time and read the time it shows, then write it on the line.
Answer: 6:24:24
